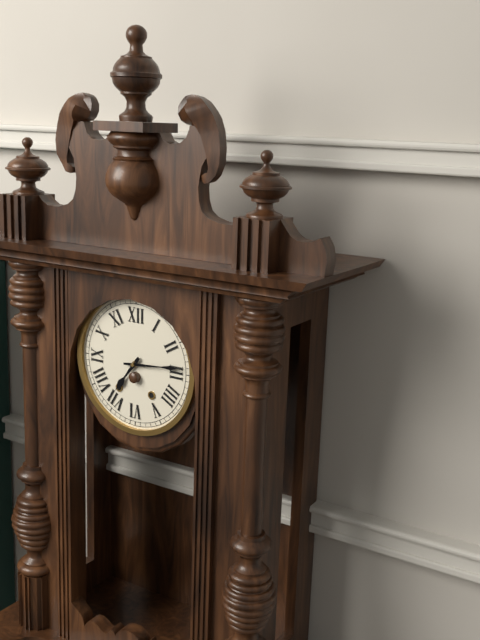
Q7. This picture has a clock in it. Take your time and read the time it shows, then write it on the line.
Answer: 7:14
